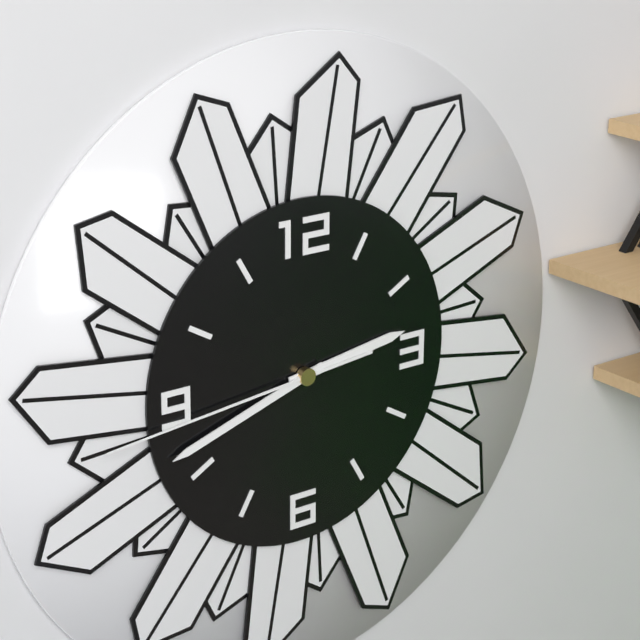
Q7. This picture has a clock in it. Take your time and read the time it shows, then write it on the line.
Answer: 2:42:44
